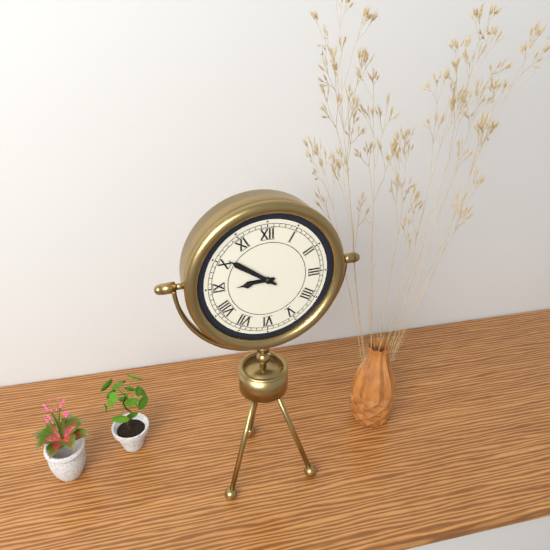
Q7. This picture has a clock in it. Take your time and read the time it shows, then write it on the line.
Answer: 8:51
